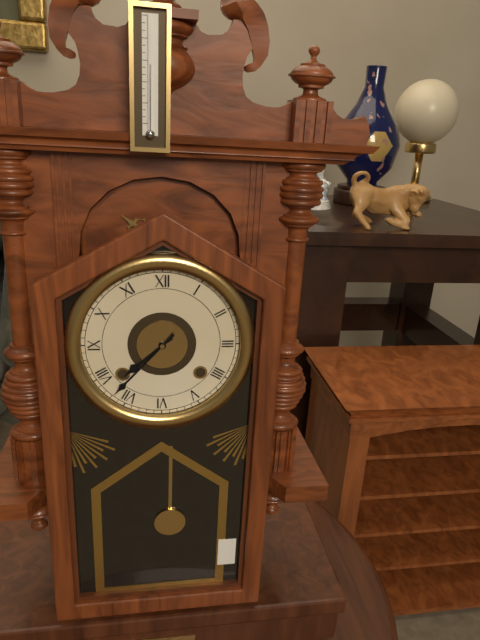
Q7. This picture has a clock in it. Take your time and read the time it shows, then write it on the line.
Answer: 7:37
